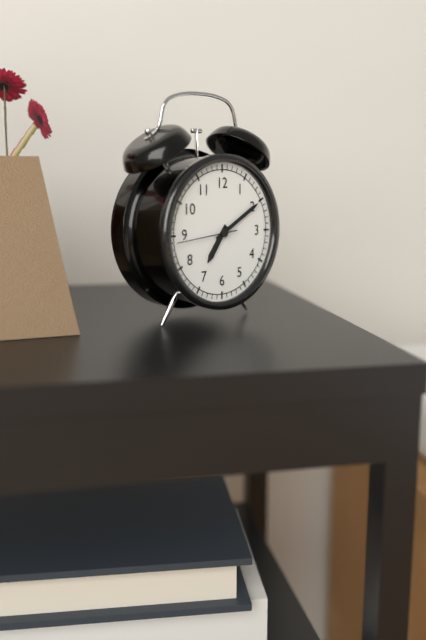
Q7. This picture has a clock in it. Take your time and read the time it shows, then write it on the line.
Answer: 7:10:44
